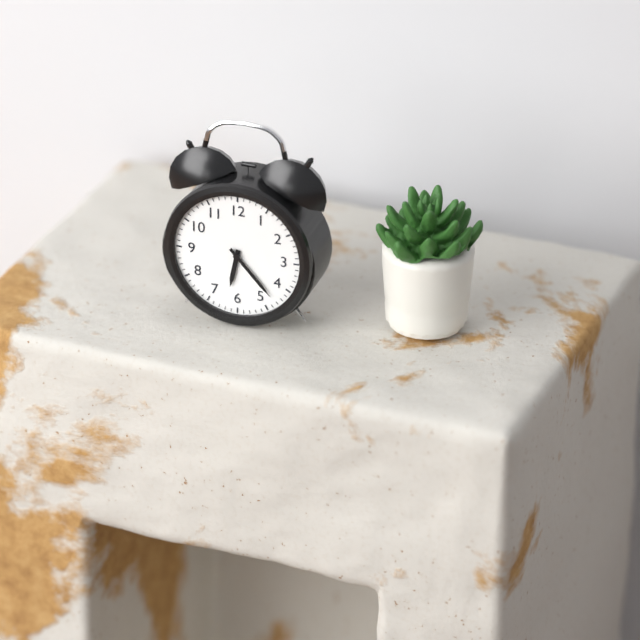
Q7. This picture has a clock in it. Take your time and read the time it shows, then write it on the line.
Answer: 6:23
